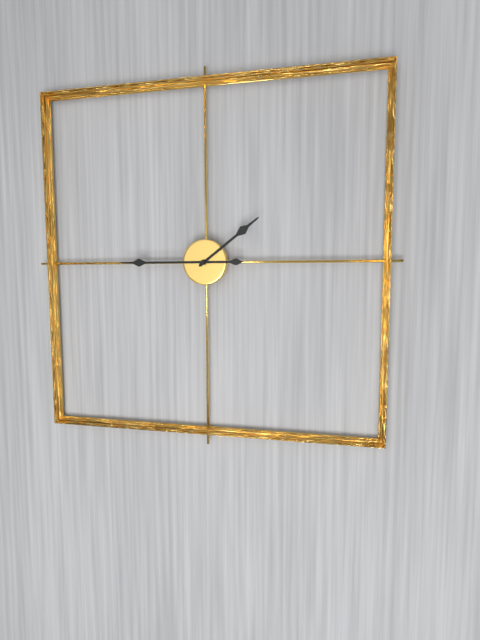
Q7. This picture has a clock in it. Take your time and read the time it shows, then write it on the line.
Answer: 1:45
